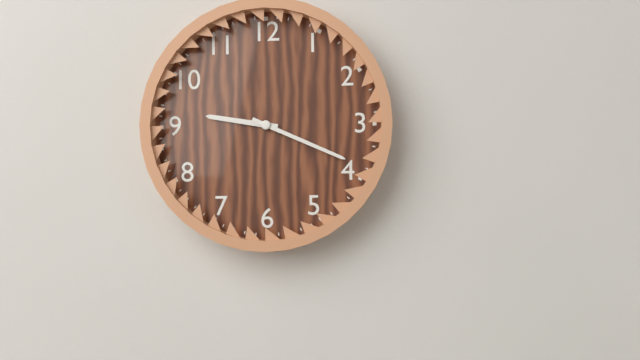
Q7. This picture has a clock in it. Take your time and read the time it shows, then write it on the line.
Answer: 9:19
